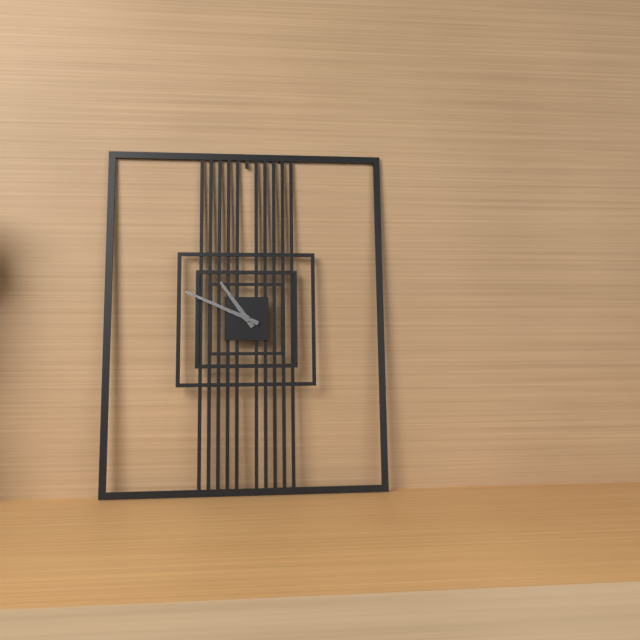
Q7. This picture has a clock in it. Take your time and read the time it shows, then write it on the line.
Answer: 10:49
